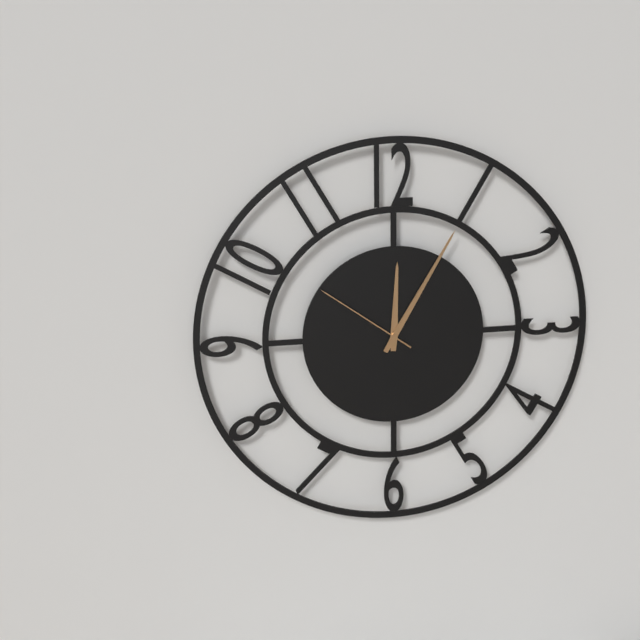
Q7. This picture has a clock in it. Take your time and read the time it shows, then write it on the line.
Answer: 12:05:51
